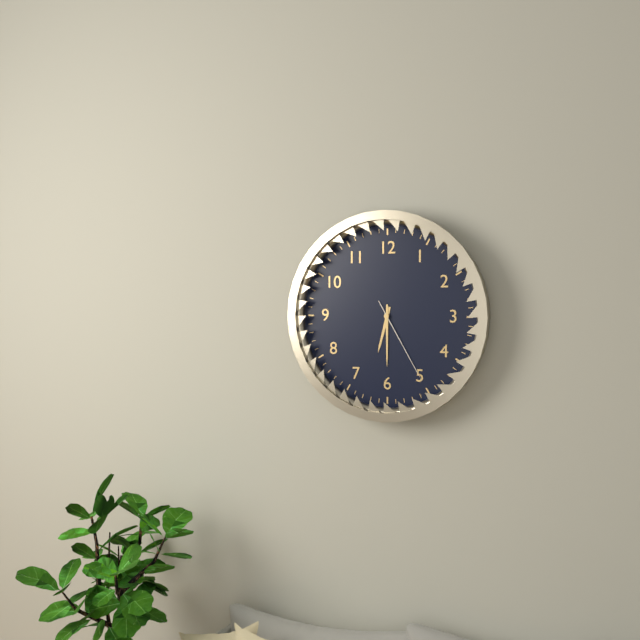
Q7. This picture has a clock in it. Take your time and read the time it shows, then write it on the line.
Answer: 6:30:25
